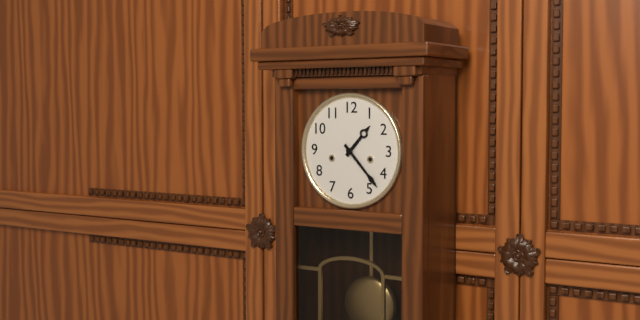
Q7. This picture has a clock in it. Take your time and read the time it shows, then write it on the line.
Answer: 1:23
